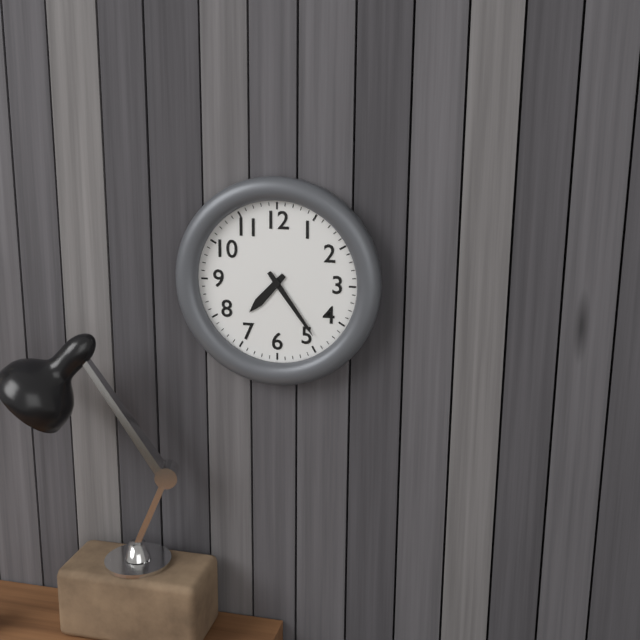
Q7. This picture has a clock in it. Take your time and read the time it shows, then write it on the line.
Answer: 7:24
